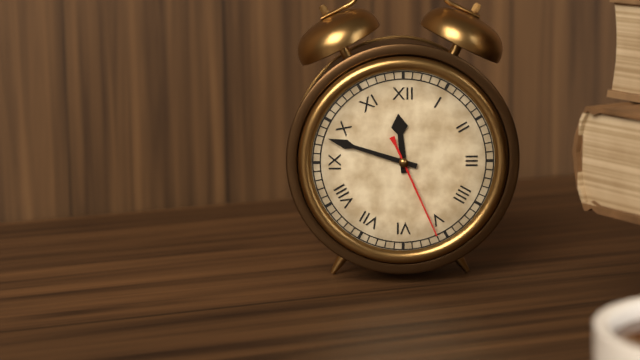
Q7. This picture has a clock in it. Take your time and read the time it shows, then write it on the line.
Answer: 11:48:26
